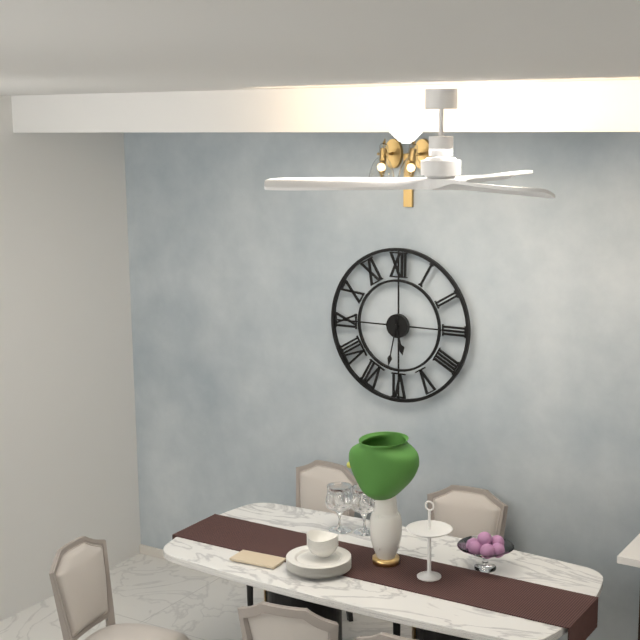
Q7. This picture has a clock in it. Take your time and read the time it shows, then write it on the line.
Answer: 5:32
